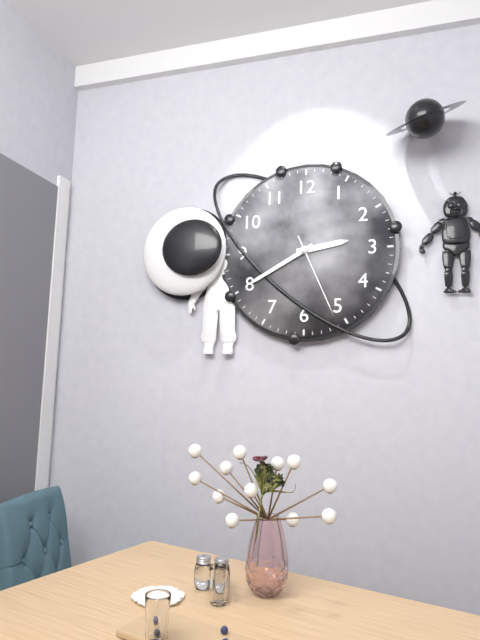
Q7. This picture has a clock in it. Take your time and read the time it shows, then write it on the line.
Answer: 2:40:26
